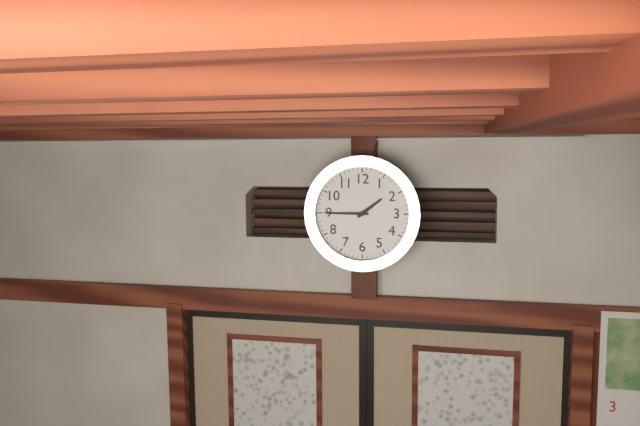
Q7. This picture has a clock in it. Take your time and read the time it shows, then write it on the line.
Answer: 1:45
